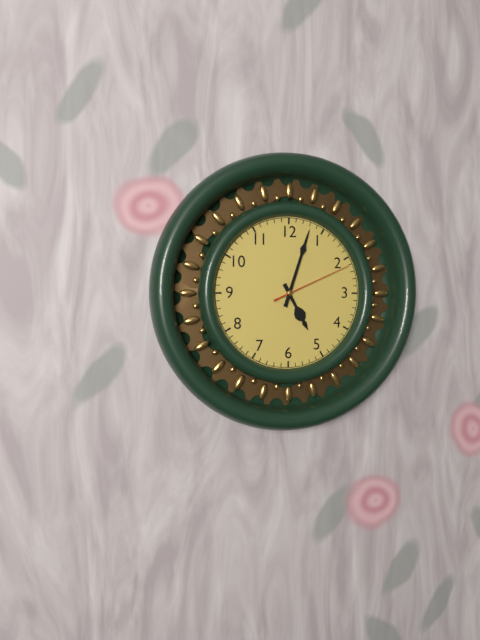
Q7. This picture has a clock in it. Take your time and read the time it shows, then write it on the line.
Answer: 5:03:11
